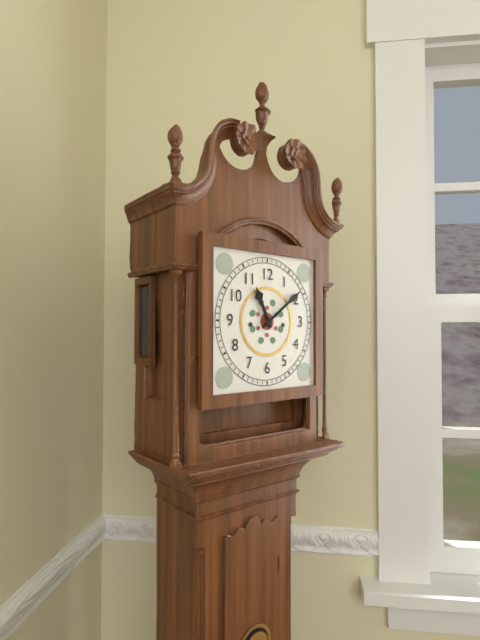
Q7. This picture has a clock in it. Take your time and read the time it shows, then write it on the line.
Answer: 11:09
